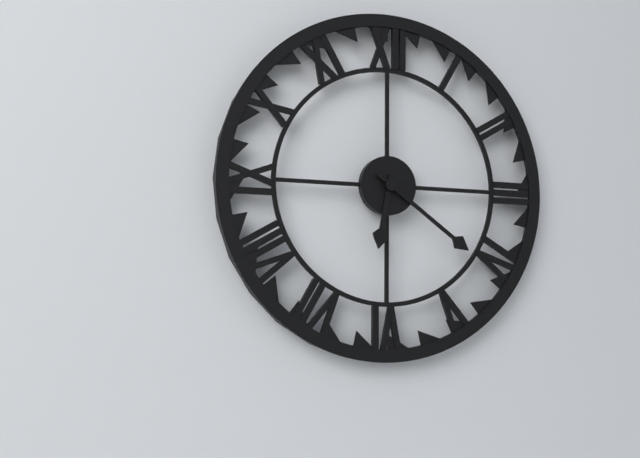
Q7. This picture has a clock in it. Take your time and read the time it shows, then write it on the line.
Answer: 6:21
